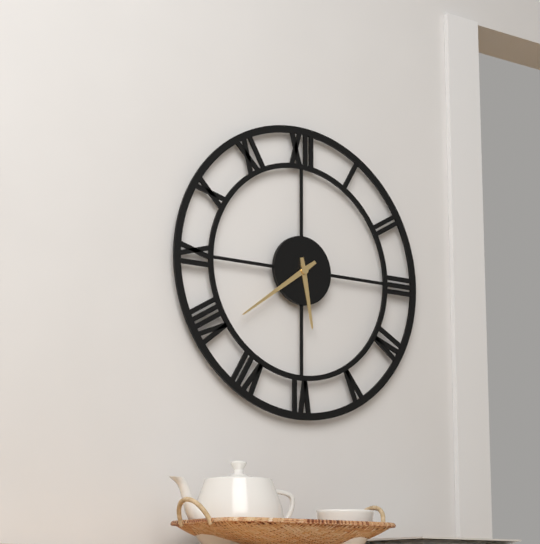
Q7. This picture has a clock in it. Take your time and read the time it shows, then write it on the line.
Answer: 5:39
